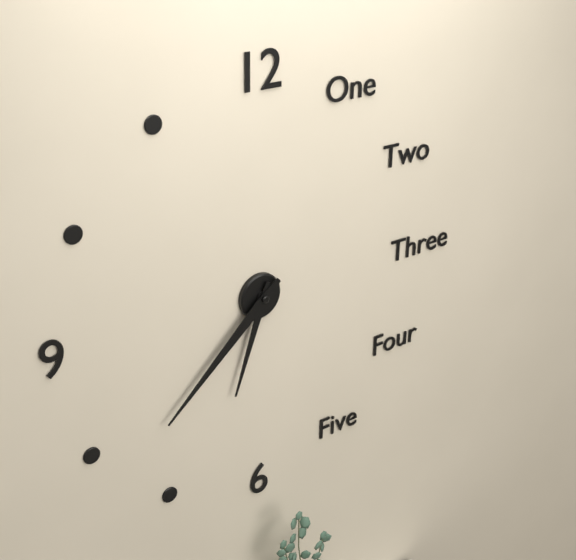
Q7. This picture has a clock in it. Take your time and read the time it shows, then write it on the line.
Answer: 6:38
